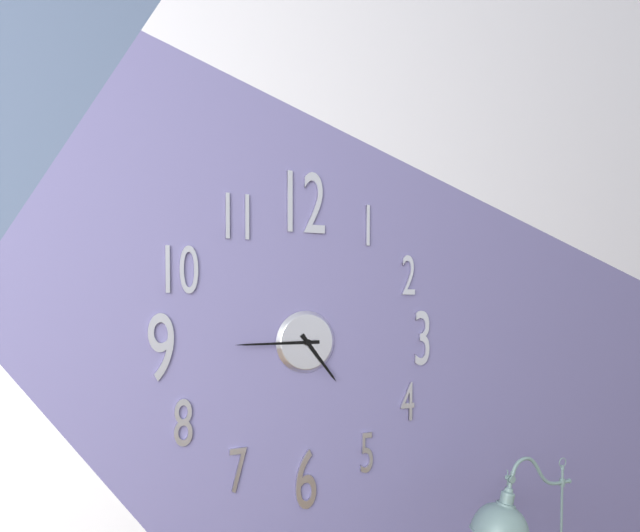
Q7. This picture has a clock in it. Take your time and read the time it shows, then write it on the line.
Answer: 4:45
